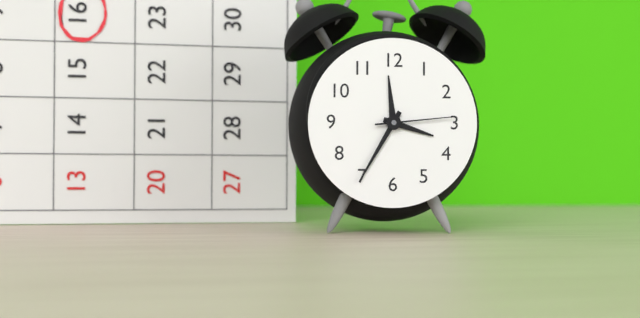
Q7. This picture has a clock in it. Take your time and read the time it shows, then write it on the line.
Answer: 3:35:14
